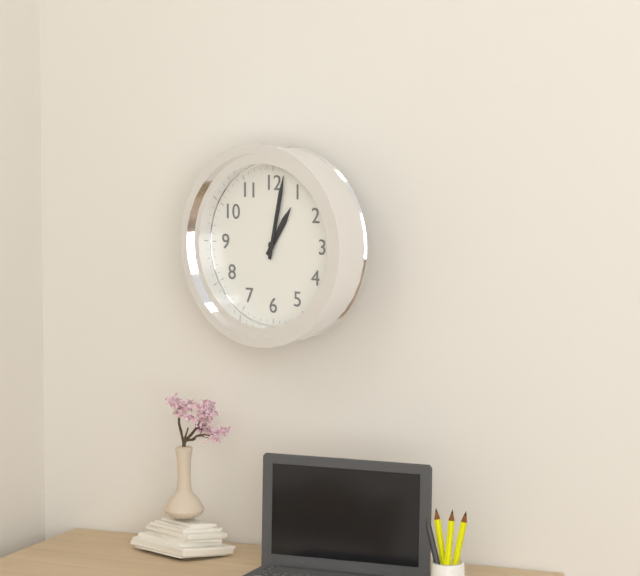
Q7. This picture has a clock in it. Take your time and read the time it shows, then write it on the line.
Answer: 1:02
